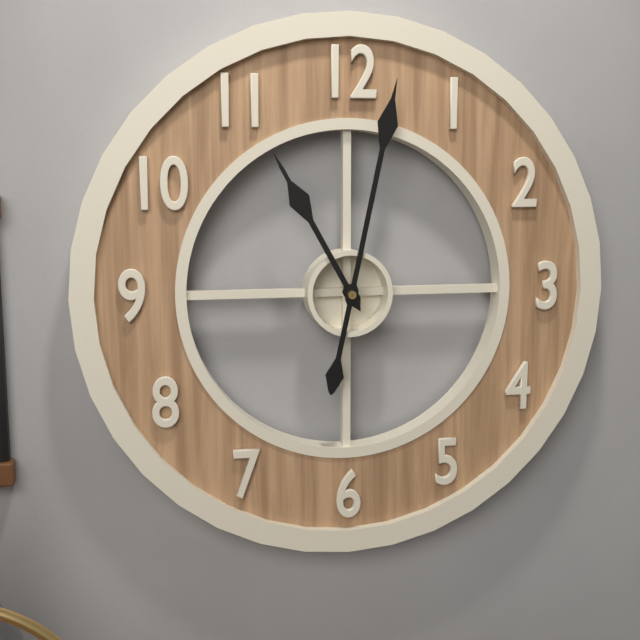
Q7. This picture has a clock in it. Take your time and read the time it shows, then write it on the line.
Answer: 11:02
